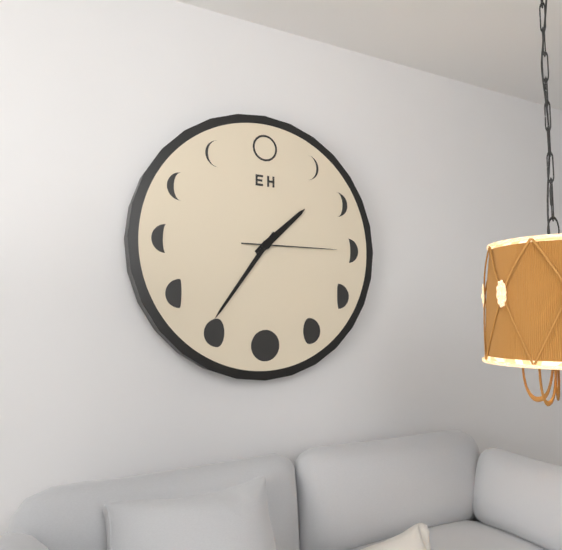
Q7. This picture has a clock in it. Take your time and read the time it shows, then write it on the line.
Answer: 1:36:15
